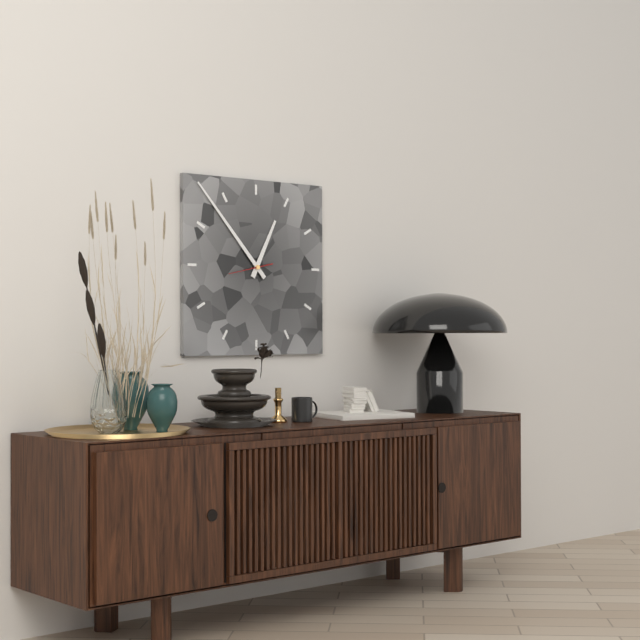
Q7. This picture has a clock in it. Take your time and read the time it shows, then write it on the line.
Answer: 12:53
